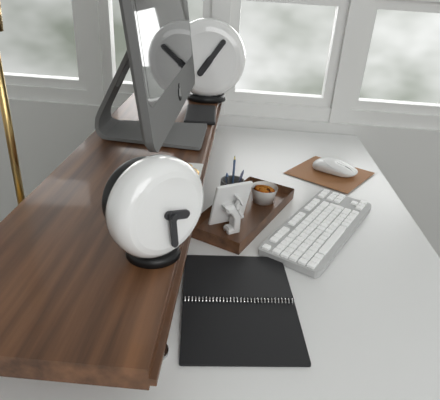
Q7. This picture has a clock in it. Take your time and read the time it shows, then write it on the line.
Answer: 3:29
